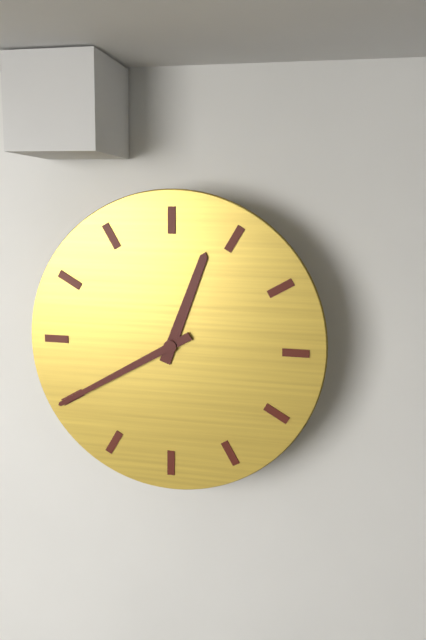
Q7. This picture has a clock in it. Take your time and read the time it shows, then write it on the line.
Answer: 12:40
